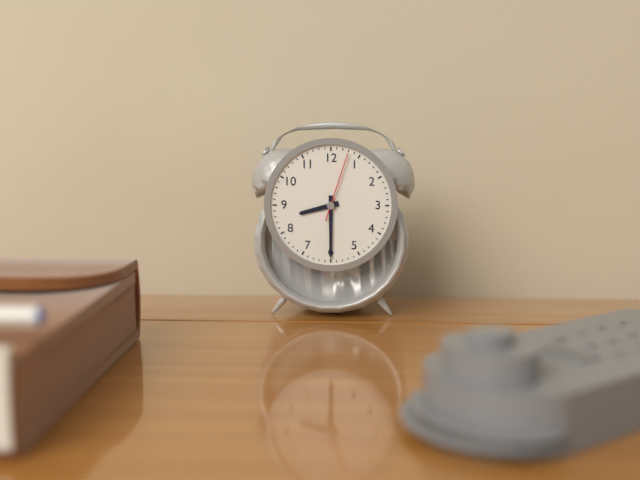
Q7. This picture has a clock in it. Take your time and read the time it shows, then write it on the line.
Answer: 8:30:03
